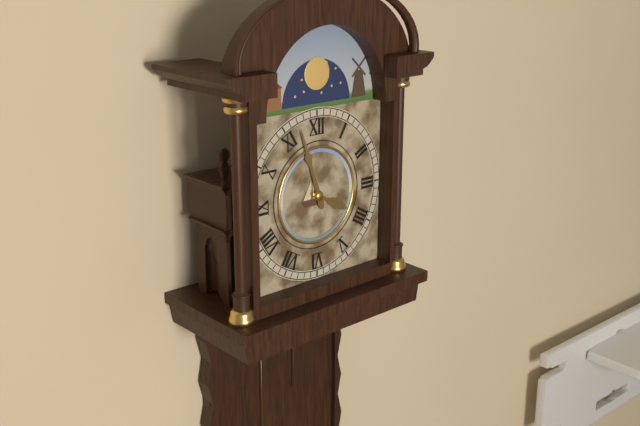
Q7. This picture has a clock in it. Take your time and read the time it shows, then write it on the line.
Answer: 3:57
